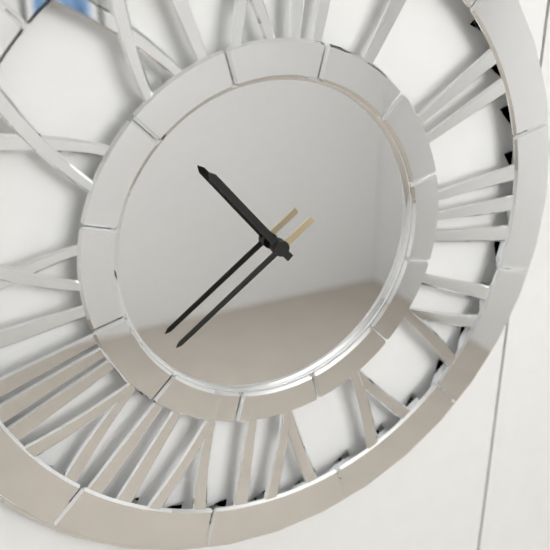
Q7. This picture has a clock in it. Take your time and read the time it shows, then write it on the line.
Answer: 10:39
